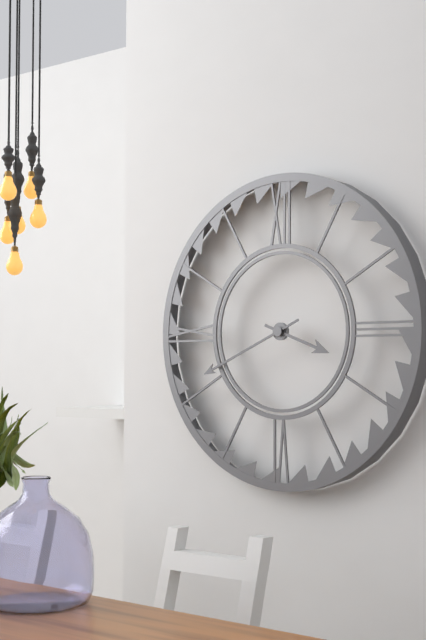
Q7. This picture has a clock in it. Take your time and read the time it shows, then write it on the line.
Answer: 3:41
